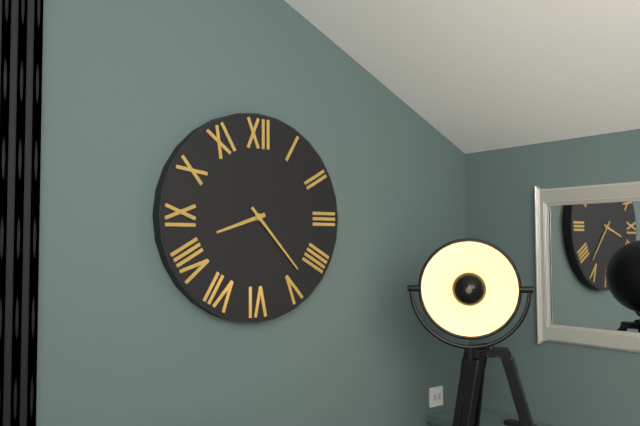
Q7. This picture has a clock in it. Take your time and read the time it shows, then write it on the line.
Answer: 8:23
